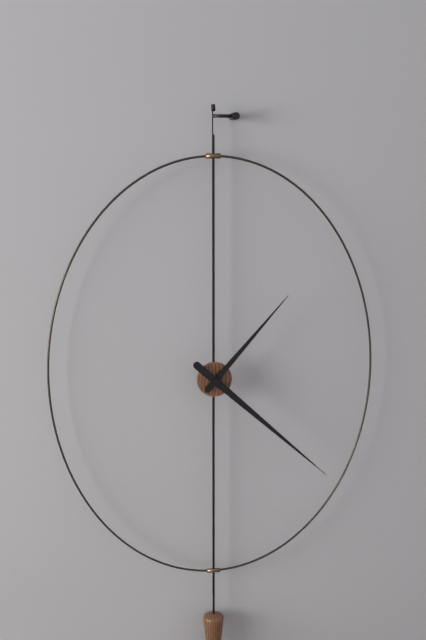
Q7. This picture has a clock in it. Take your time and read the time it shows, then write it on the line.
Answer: 1:22
